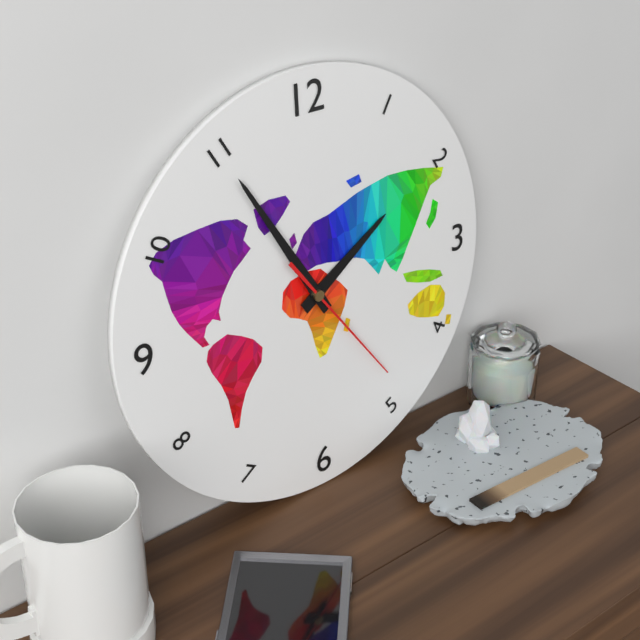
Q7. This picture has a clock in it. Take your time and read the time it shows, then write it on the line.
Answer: 1:55:24
